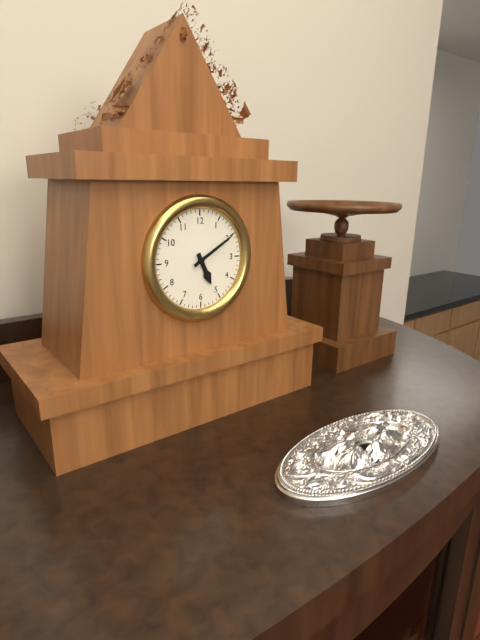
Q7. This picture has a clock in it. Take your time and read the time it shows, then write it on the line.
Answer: 5:10
